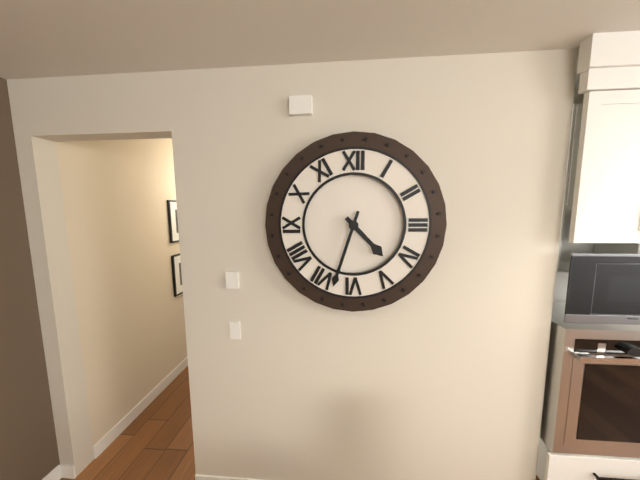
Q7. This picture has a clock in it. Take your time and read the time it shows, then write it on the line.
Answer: 4:33
